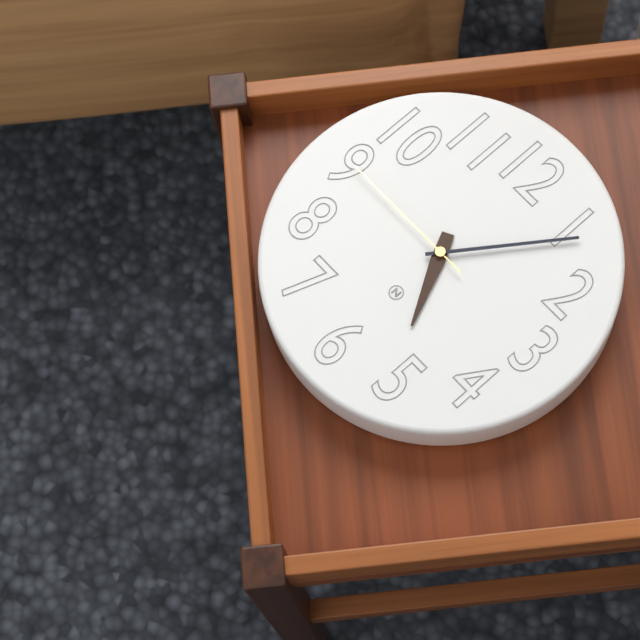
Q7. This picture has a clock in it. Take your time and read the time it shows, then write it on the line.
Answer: 5:06:45
